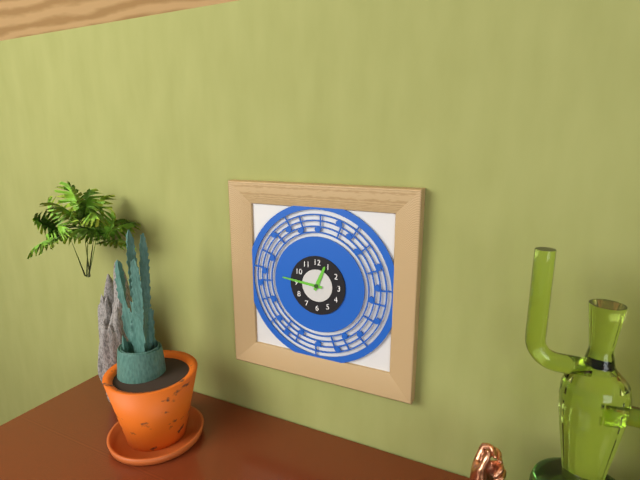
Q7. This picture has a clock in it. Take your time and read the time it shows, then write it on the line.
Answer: 12:46
